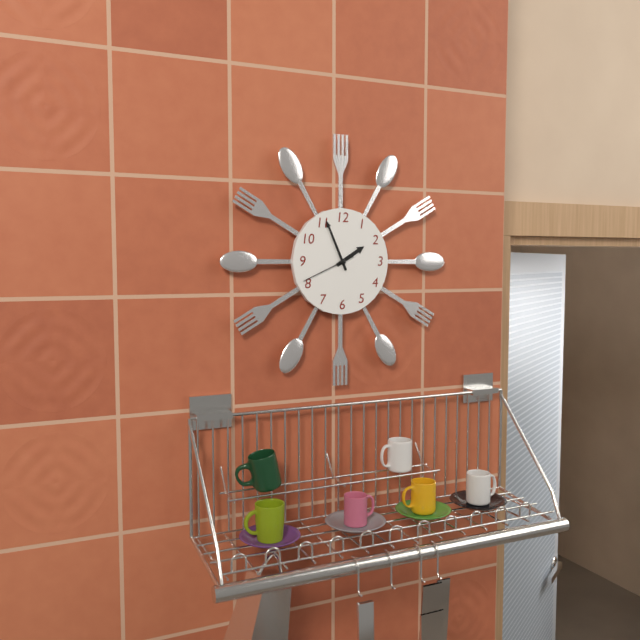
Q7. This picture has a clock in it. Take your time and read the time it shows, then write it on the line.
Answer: 1:56:41
